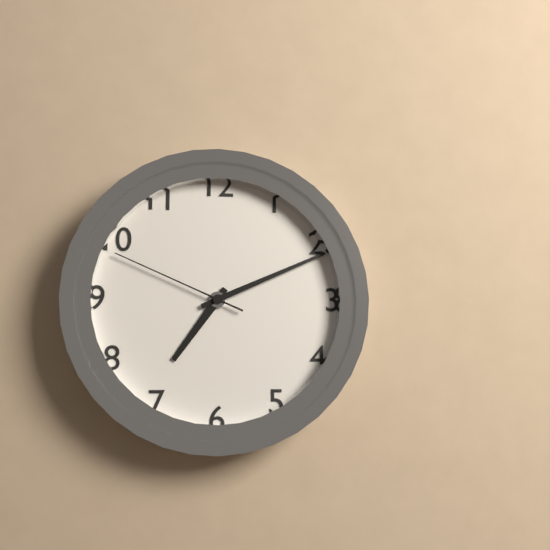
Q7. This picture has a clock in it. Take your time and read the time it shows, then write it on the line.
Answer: 7:11:49
